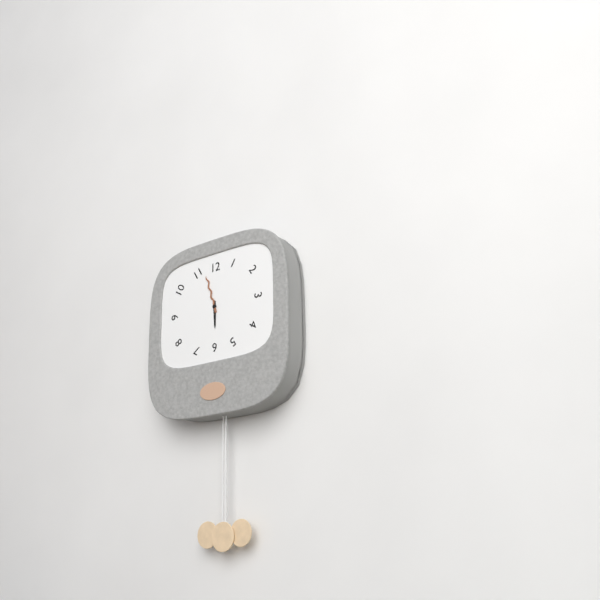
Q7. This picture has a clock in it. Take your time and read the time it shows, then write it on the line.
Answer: 5:57
